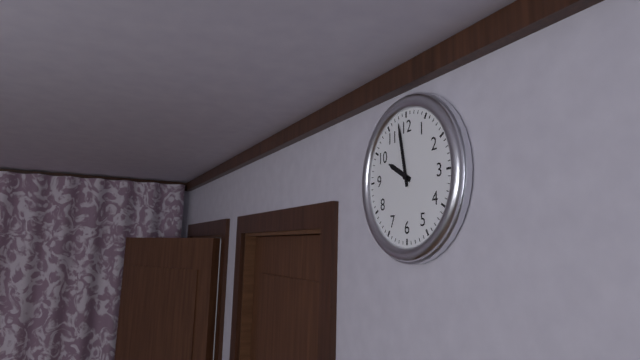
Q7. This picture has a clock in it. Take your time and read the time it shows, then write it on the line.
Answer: 9:58
